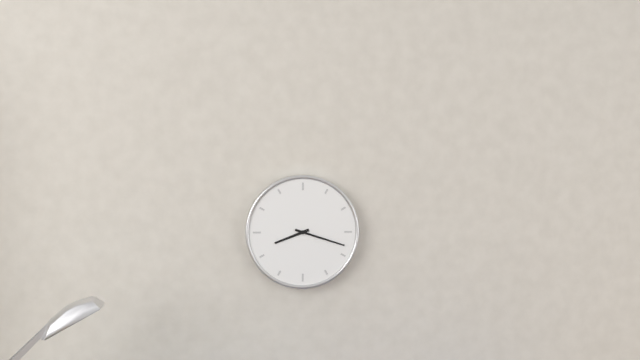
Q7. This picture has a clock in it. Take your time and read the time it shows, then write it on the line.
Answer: 8:18
